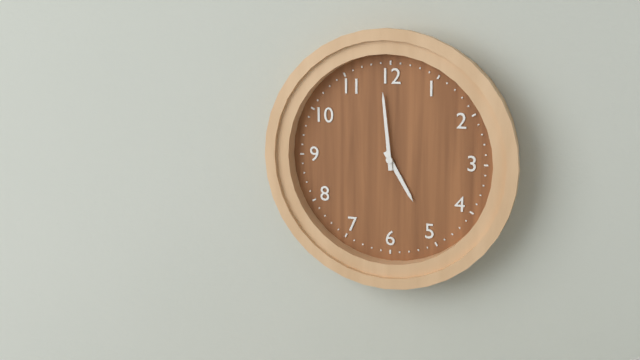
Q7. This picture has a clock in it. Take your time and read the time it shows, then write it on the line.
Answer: 4:59
